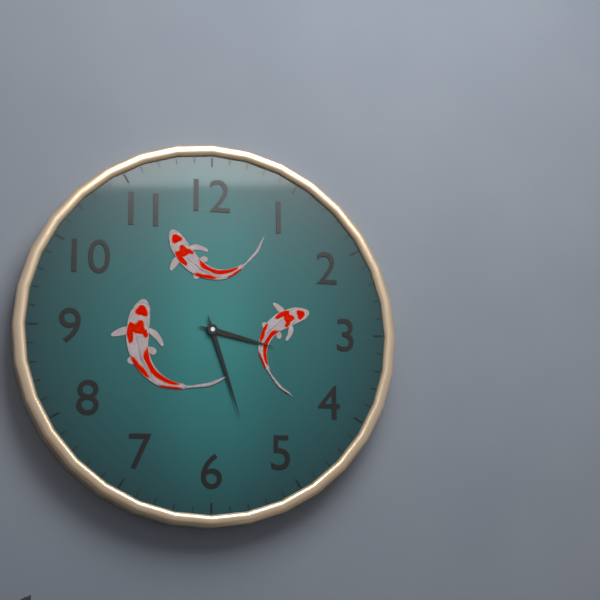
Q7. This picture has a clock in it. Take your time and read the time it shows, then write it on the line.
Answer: 3:27
